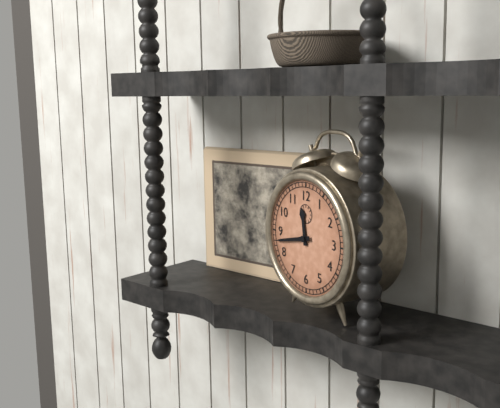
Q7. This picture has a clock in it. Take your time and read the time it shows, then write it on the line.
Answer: 11:43
